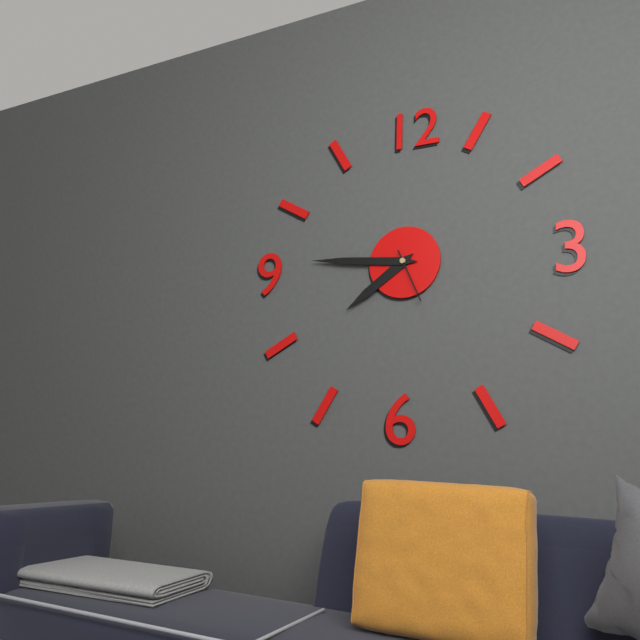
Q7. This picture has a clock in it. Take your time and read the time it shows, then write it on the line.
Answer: 7:46:26
